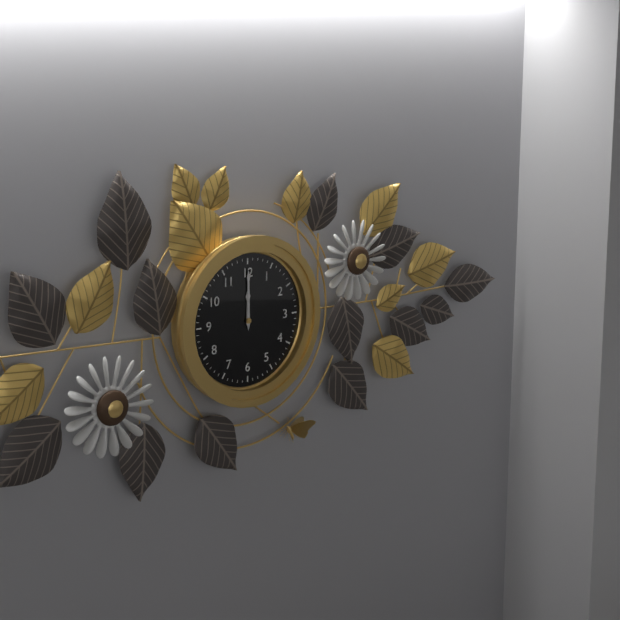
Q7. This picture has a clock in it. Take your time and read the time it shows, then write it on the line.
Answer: 12:00
